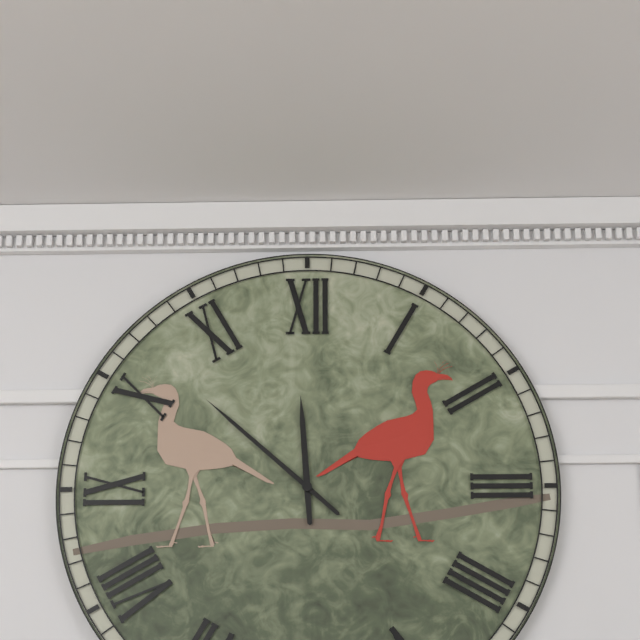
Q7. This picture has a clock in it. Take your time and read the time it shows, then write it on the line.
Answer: 11:52
